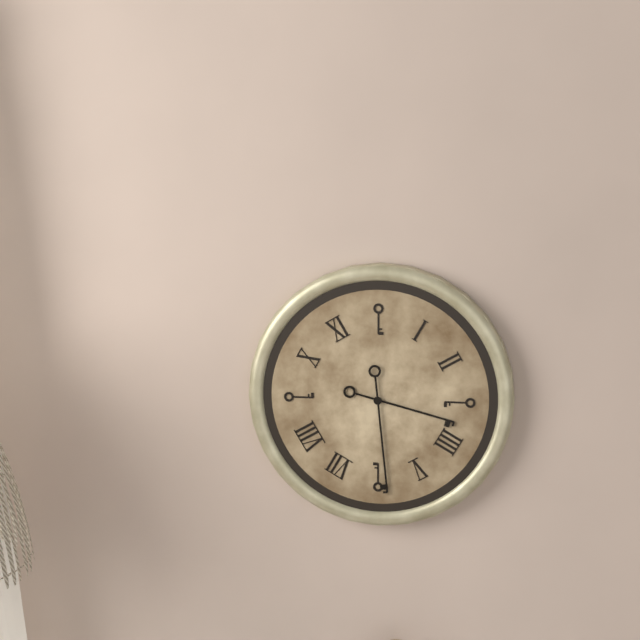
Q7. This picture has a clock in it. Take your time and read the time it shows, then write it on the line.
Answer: 3:29
